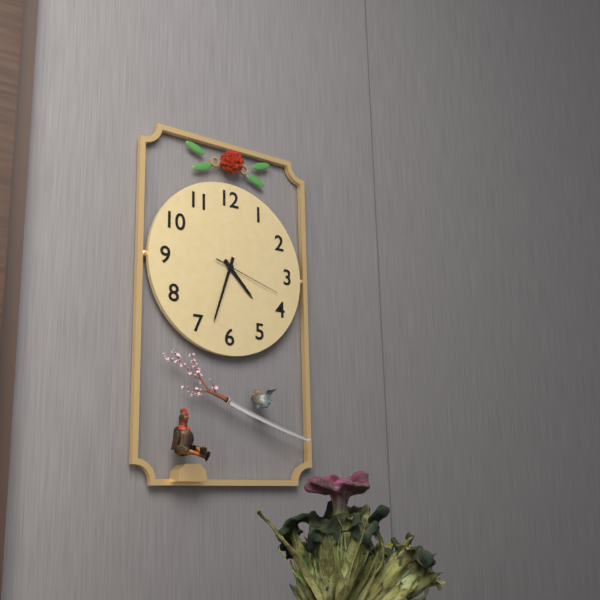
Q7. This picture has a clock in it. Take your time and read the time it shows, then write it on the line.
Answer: 4:33:18
